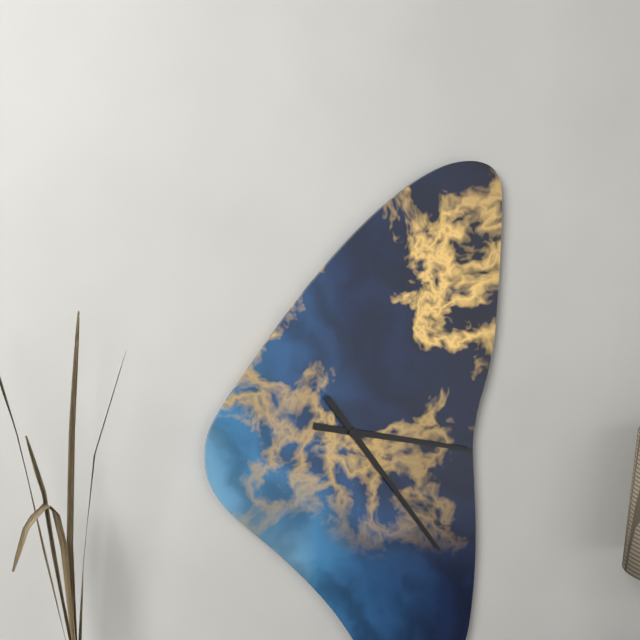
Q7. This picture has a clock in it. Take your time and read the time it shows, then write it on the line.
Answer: 3:24
